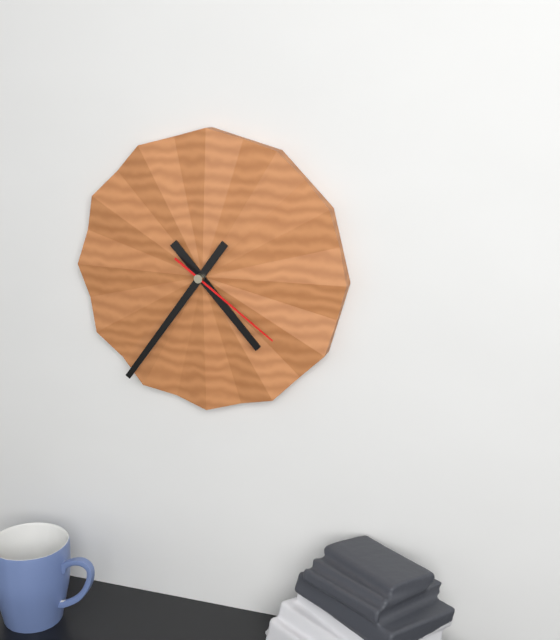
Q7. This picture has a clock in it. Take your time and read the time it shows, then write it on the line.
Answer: 4:36:21
